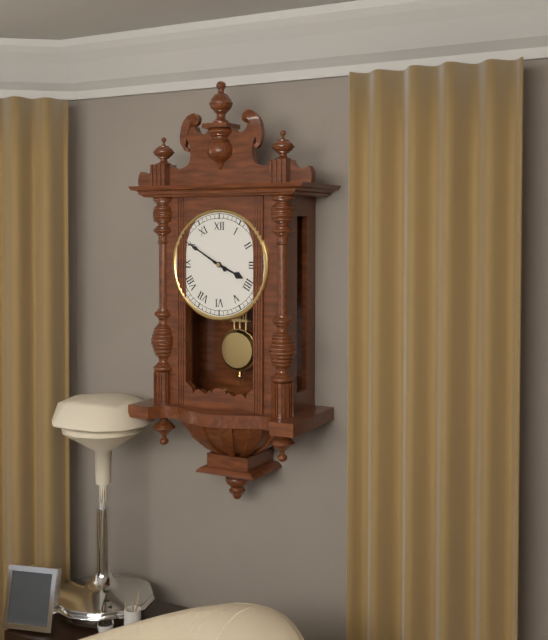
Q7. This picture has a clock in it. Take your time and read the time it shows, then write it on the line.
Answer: 3:50
